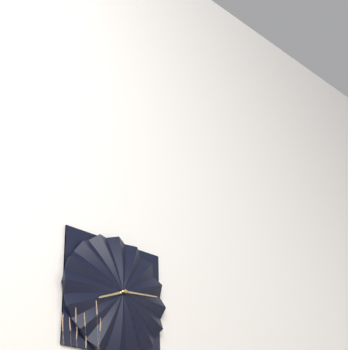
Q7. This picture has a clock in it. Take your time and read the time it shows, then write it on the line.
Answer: 8:14
